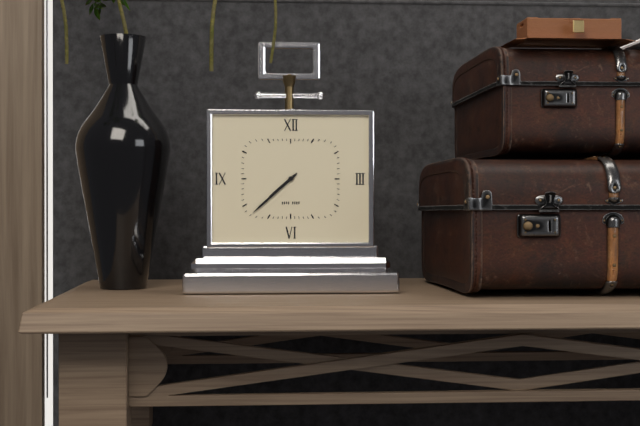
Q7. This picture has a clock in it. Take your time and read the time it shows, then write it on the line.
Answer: 7:38
